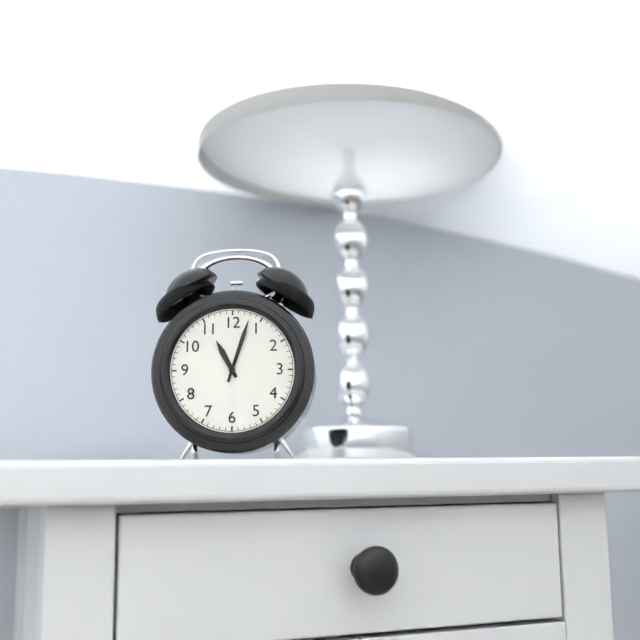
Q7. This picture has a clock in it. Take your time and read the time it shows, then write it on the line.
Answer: 11:03
